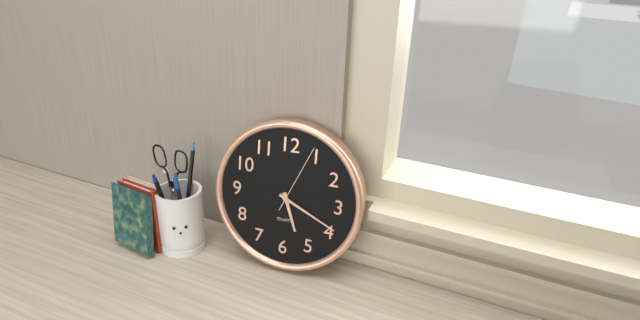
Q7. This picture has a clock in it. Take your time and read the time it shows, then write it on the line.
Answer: 5:19:04
